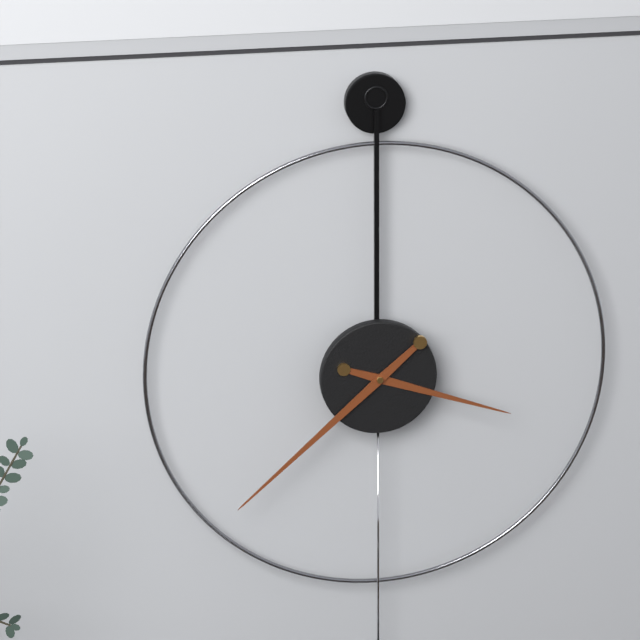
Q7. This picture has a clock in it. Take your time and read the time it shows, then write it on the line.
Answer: 3:38
